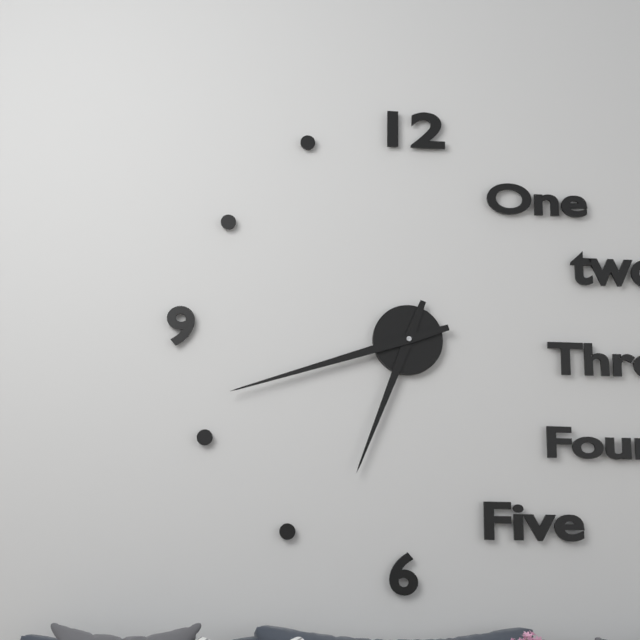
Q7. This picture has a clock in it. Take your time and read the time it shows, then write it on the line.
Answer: 6:42
